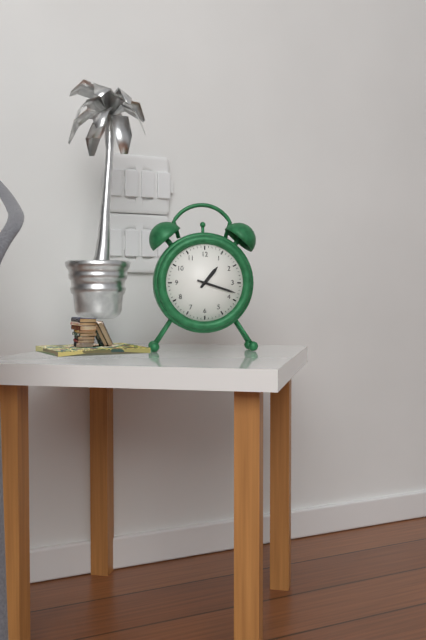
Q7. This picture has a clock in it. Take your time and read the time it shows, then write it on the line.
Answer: 1:18
